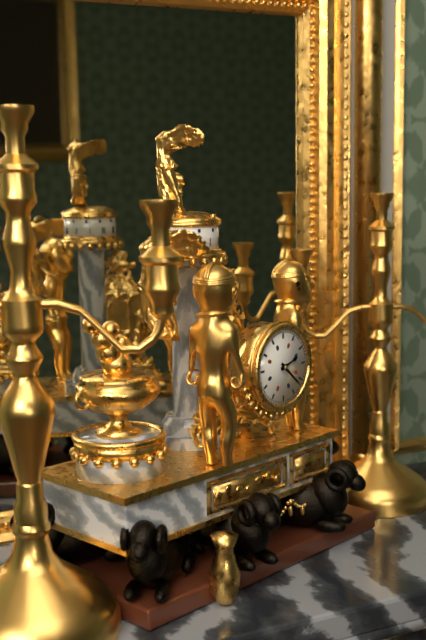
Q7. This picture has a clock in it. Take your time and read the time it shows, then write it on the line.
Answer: 2:22
